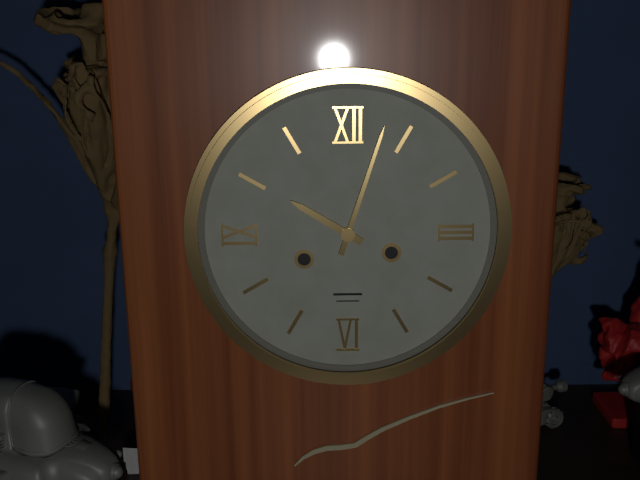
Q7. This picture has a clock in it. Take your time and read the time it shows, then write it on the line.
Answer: 10:03
